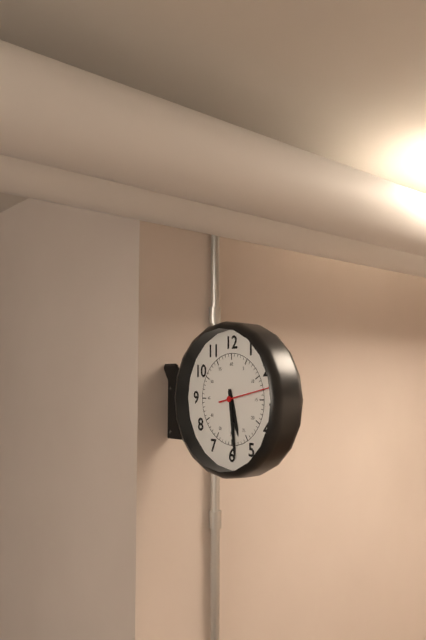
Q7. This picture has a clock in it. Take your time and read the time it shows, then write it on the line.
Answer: 5:29:13
